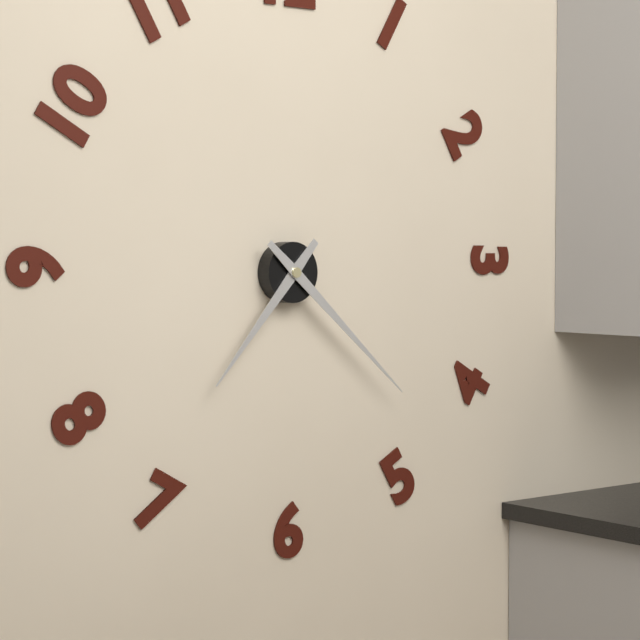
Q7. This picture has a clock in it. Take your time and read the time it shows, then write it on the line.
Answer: 7:22
